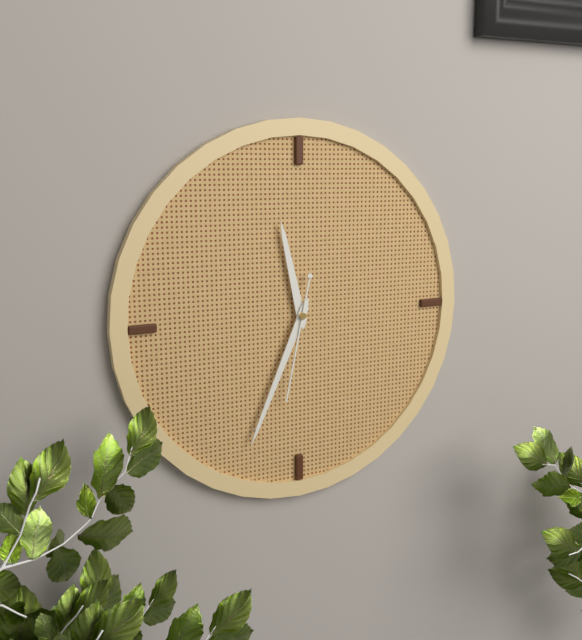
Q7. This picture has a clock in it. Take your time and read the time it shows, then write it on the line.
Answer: 11:34:32
